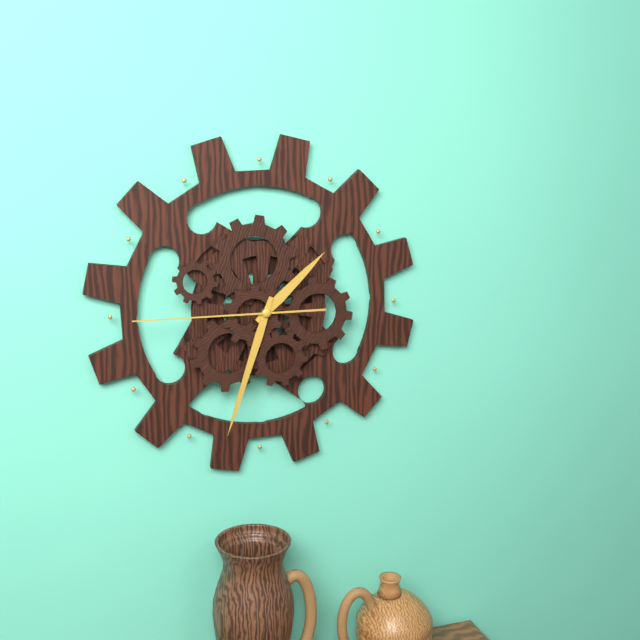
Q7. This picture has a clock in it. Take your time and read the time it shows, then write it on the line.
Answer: 1:33:45
